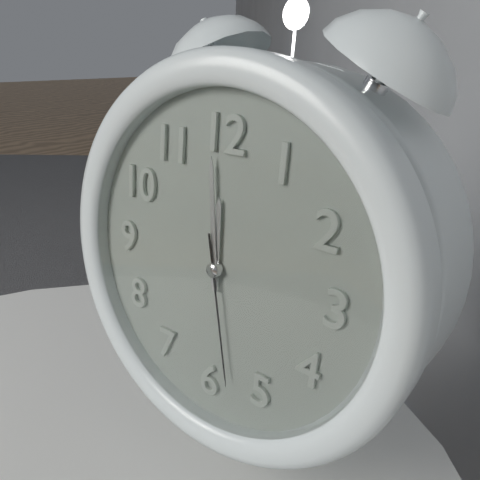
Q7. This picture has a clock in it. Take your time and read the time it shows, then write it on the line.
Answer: 11:59:28
